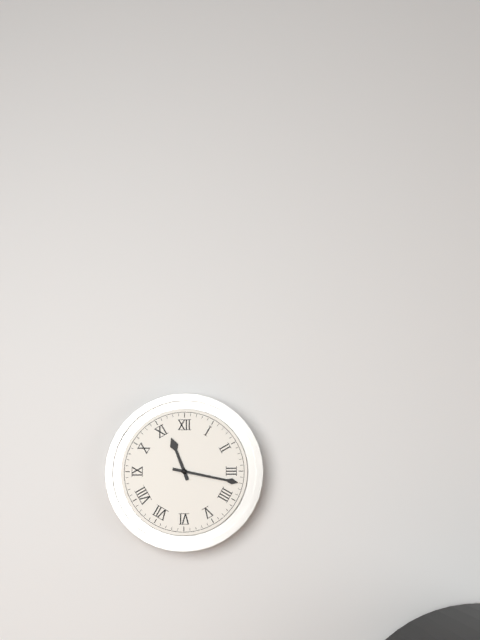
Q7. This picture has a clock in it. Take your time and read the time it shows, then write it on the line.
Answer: 11:17
